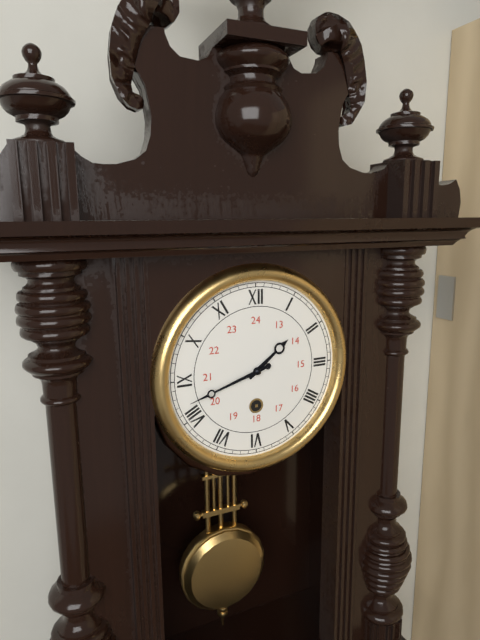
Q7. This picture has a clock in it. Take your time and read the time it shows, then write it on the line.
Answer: 1:42
